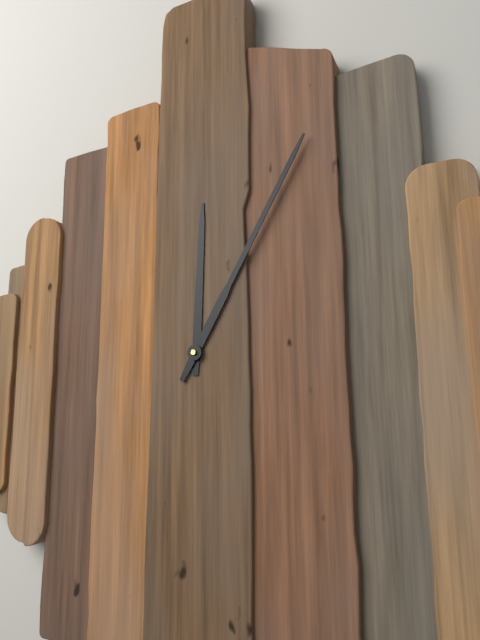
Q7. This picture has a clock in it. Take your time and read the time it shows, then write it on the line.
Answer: 12:05
